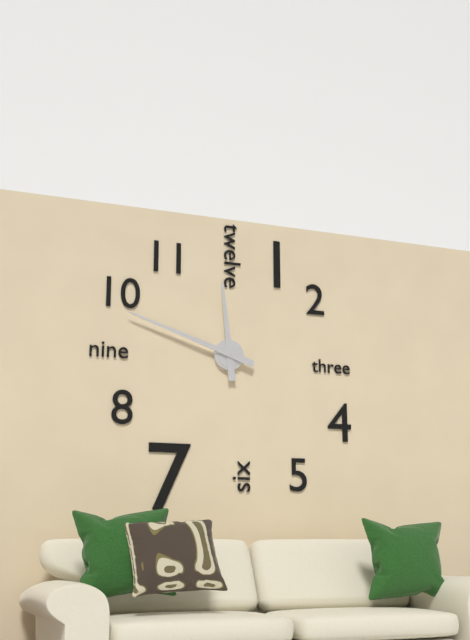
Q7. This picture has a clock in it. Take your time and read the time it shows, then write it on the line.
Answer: 11:48
